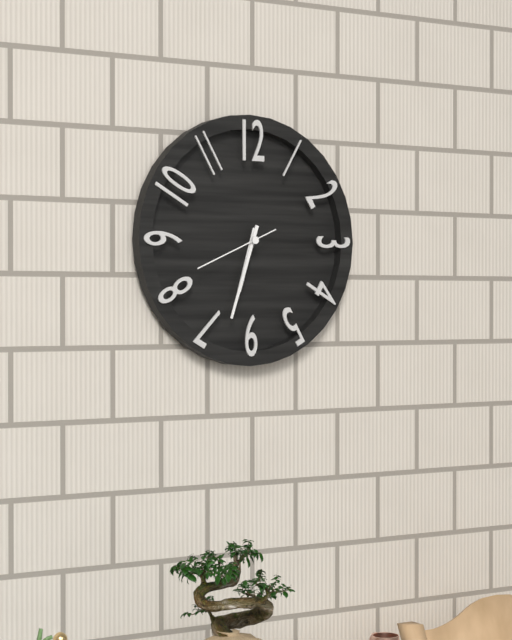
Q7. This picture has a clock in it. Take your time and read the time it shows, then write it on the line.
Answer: 6:33:41
